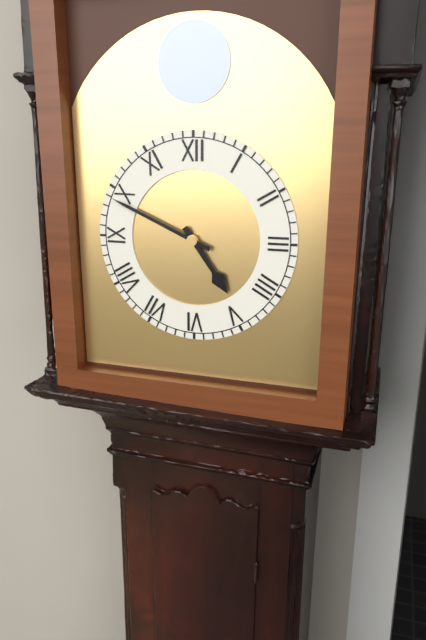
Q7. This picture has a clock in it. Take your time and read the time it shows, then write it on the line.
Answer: 4:49
